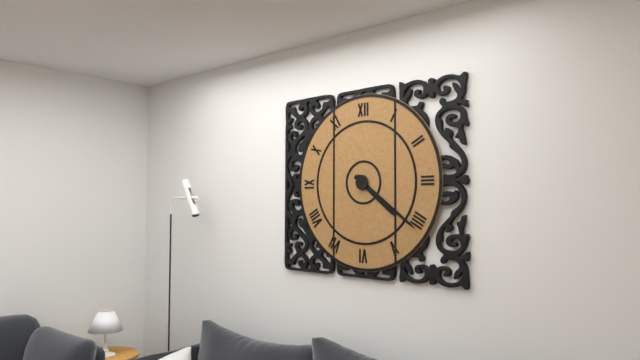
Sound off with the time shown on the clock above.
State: 4:21
